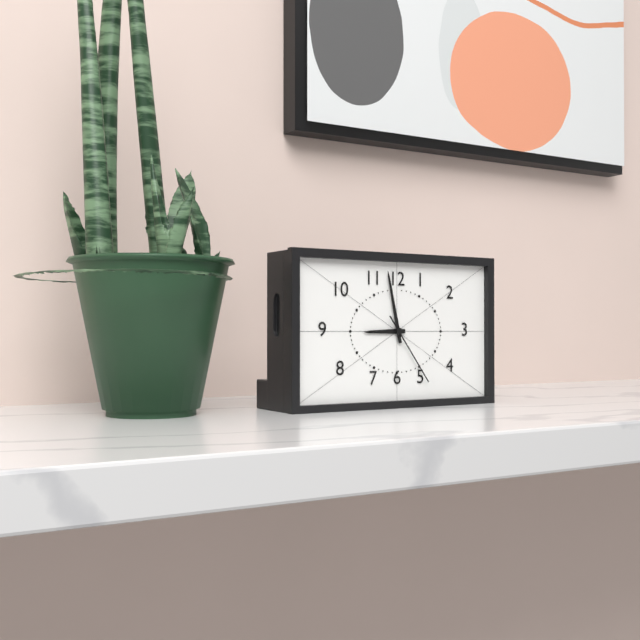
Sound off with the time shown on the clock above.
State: 8:58:24
